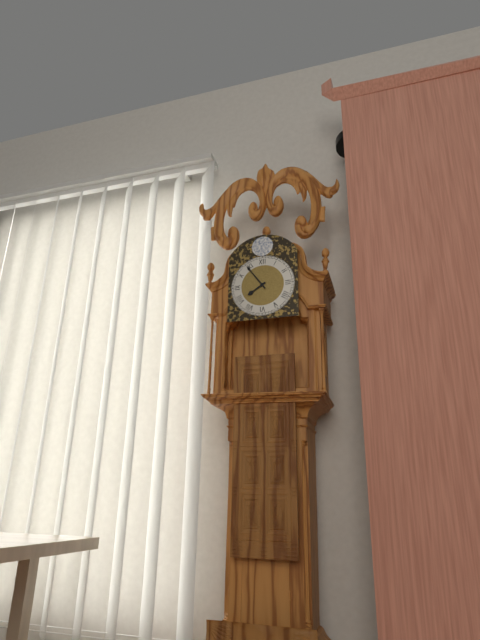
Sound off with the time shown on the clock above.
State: 7:54
